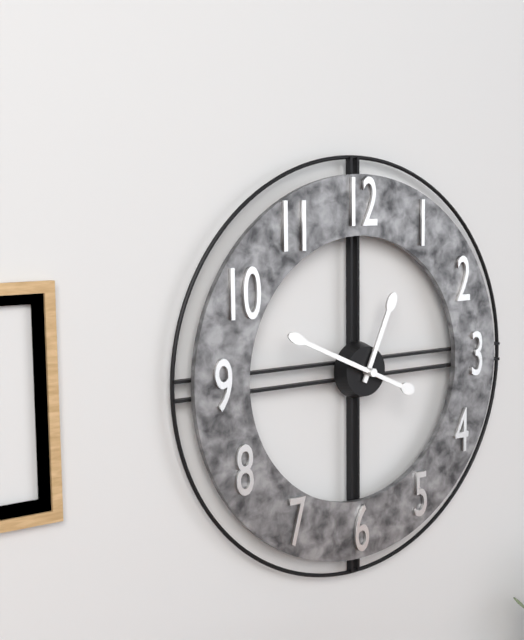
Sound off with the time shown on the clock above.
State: 12:49
